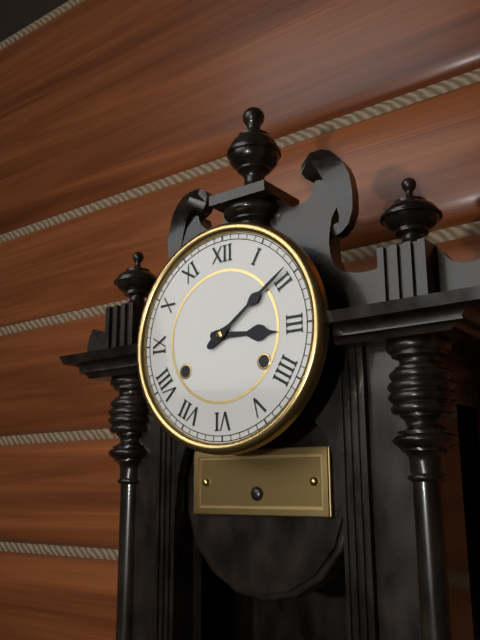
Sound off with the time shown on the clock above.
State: 3:09
